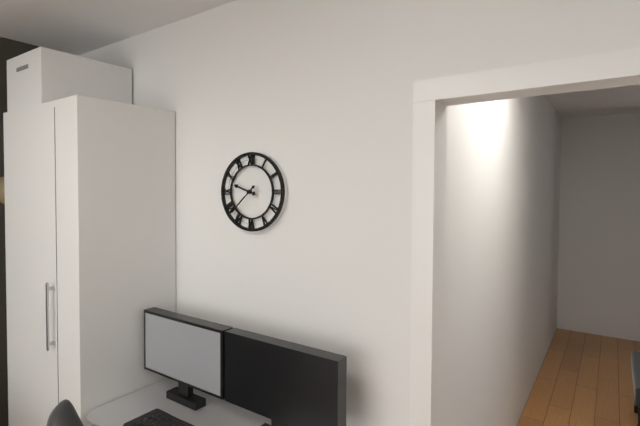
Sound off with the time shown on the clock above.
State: 9:38
